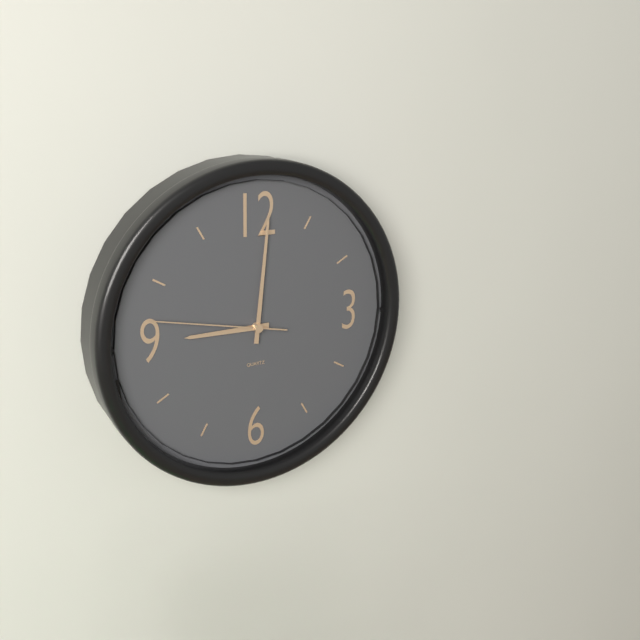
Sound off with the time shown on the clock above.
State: 9:01:47
